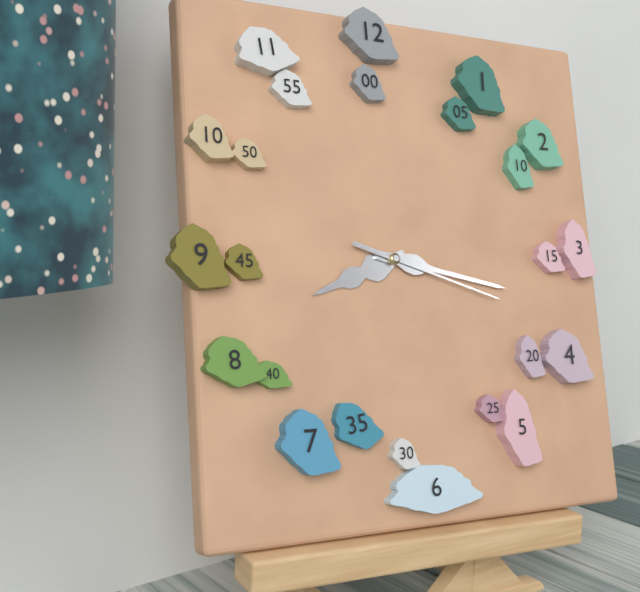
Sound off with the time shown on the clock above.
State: 8:17:18
